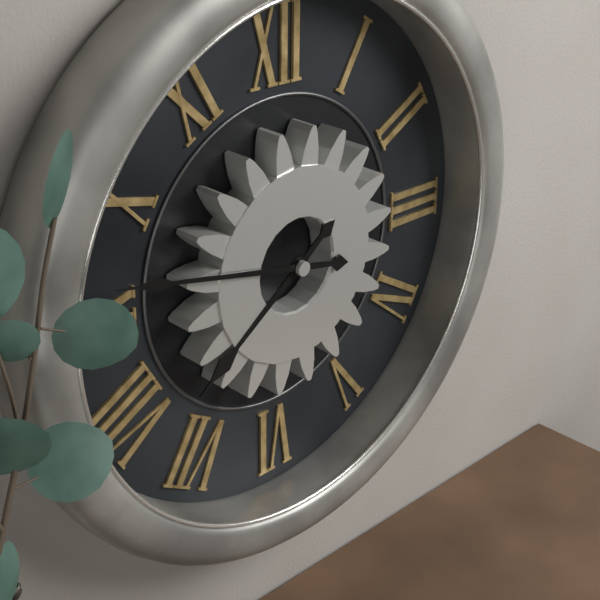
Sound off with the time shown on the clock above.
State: 7:47
